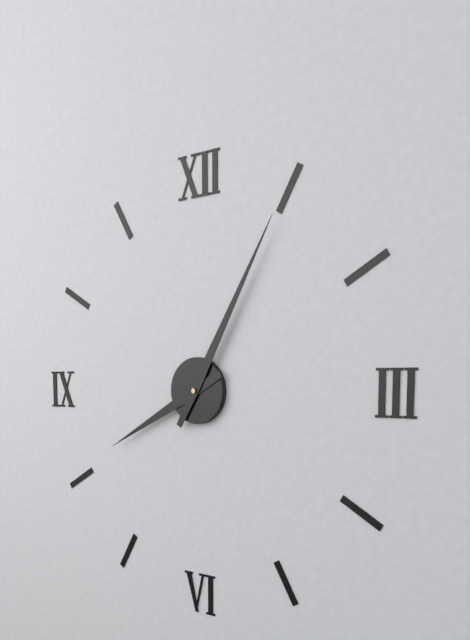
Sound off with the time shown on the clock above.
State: 8:05
